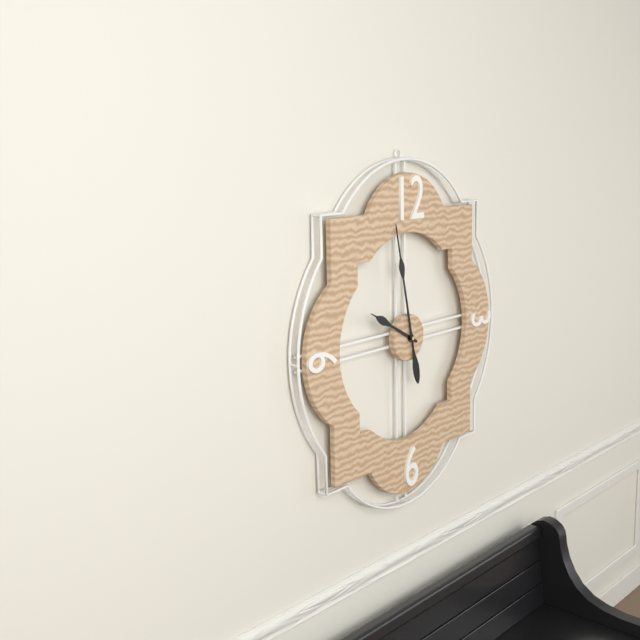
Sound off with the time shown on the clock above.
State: 9:58
